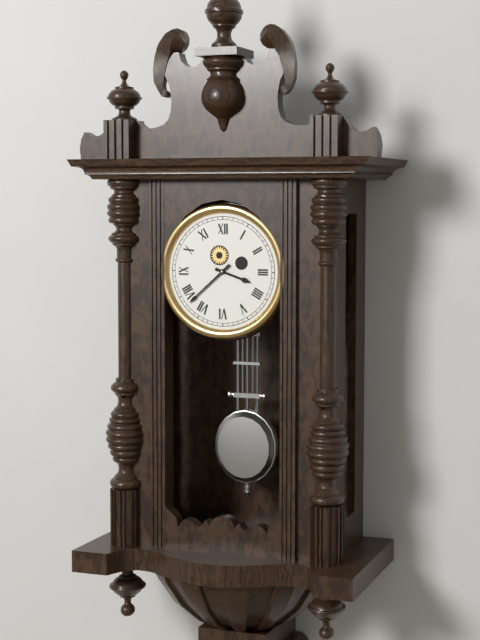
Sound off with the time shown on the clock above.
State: 3:38
